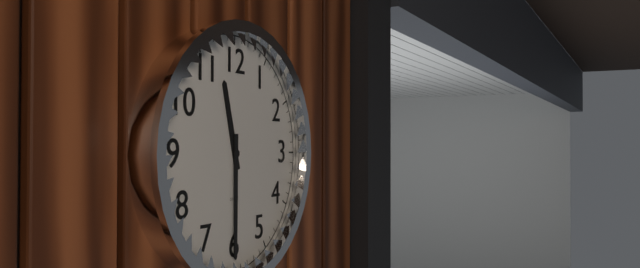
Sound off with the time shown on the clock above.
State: 11:30
